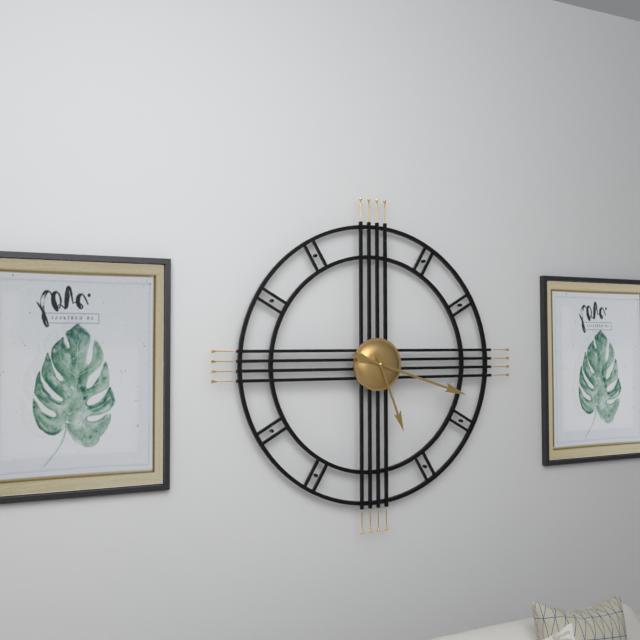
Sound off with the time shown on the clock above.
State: 5:18
